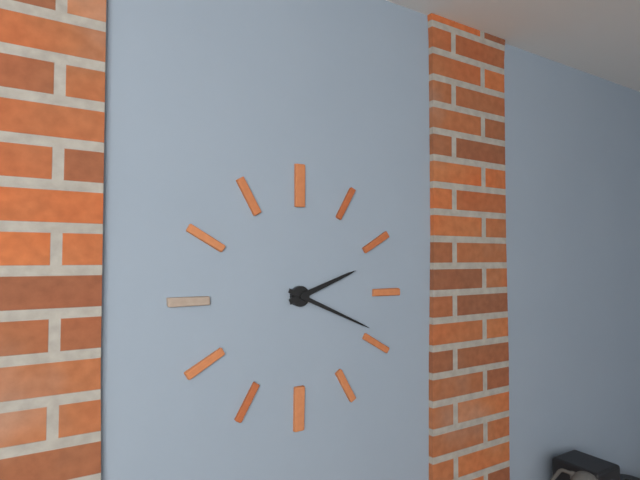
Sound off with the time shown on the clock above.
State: 2:19
